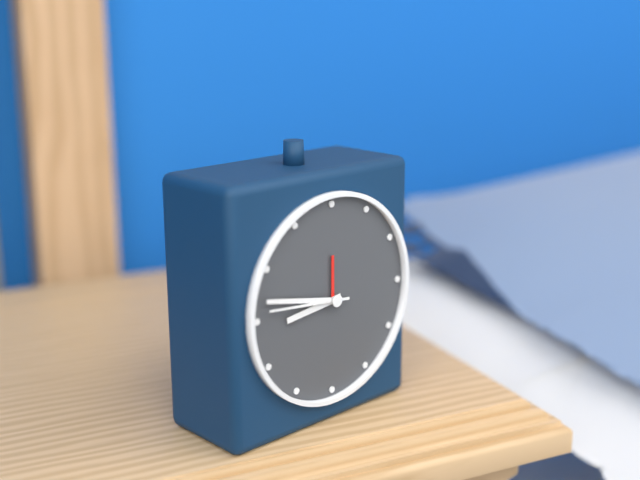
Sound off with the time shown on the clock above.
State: 8:47:46
